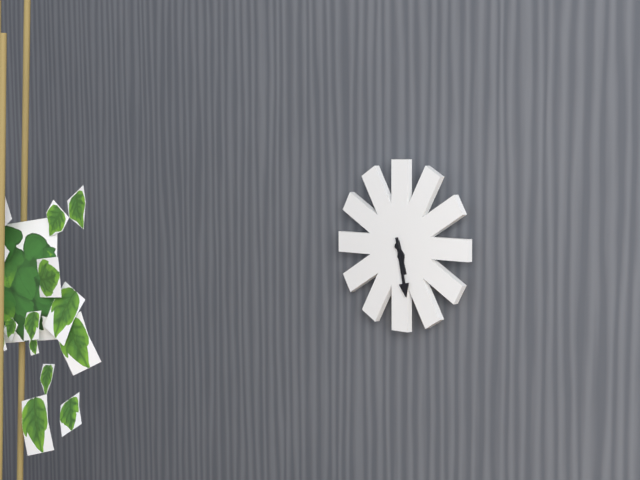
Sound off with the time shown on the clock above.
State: 5:28
